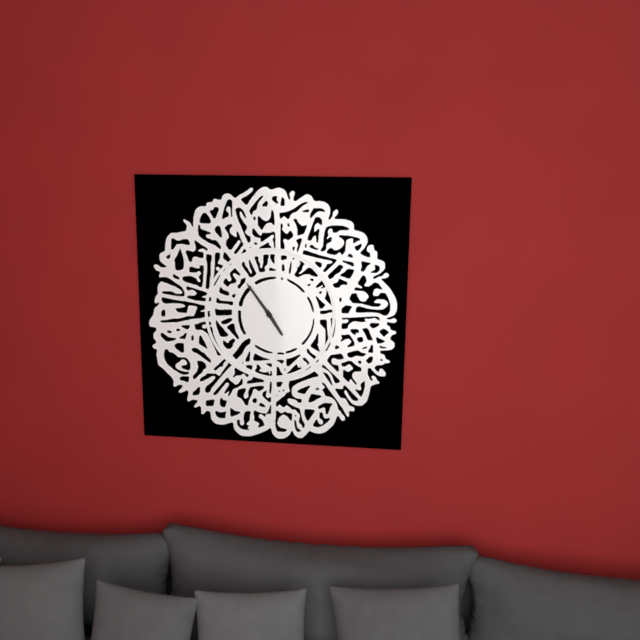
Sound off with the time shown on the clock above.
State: 4:54
